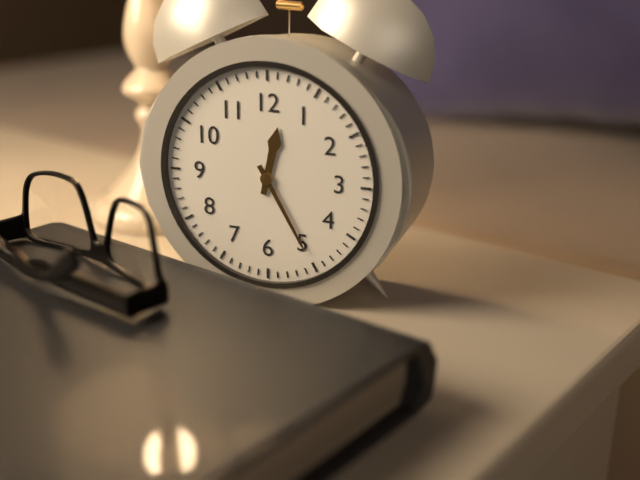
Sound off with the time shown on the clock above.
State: 12:25
